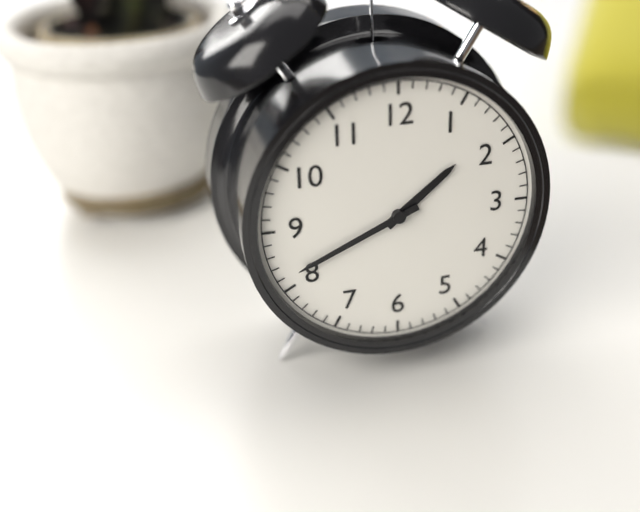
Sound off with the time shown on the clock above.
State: 1:41
